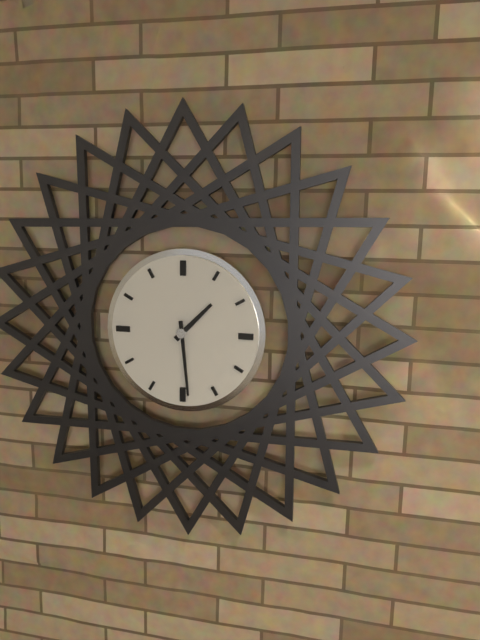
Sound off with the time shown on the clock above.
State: 1:29
